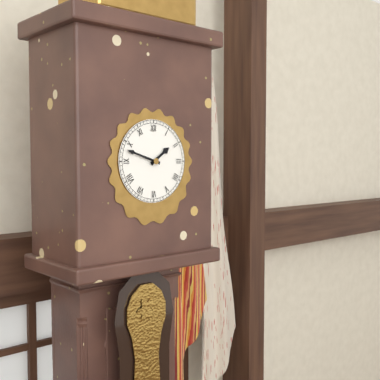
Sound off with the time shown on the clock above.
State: 1:48
